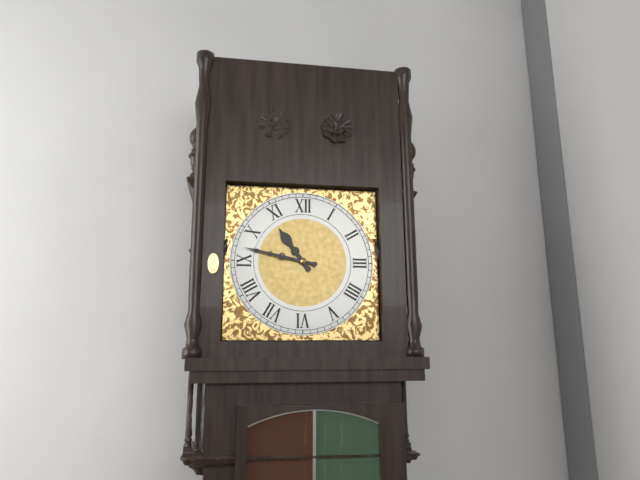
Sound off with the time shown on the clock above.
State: 10:47
